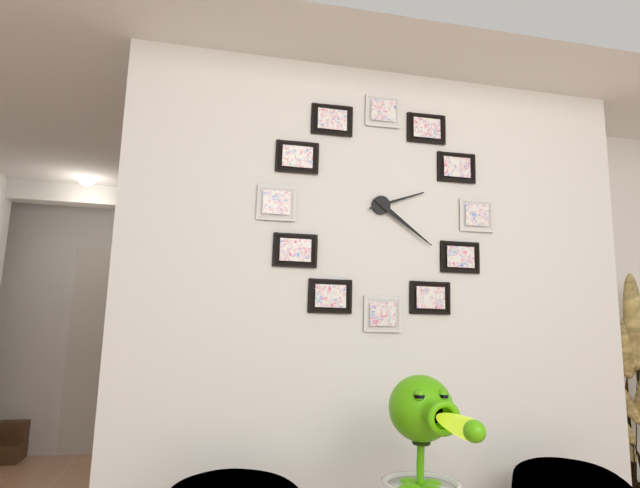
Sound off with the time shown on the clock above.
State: 2:21
